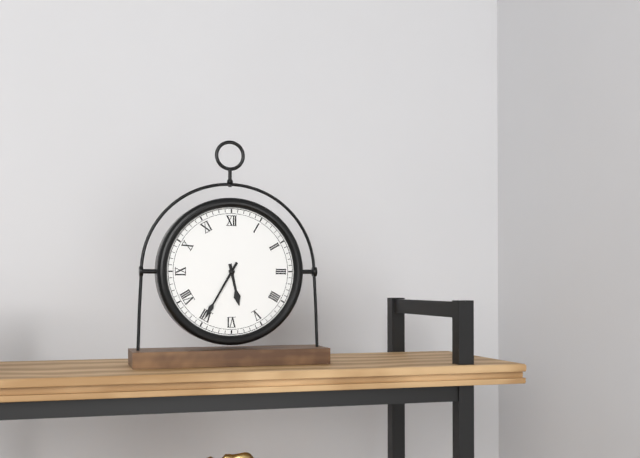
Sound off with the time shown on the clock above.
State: 5:35
